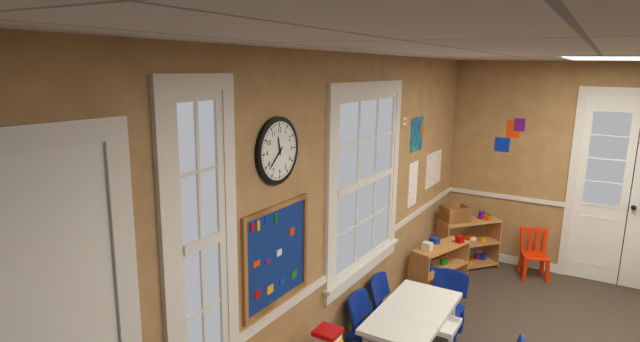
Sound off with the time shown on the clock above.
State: 11:38
